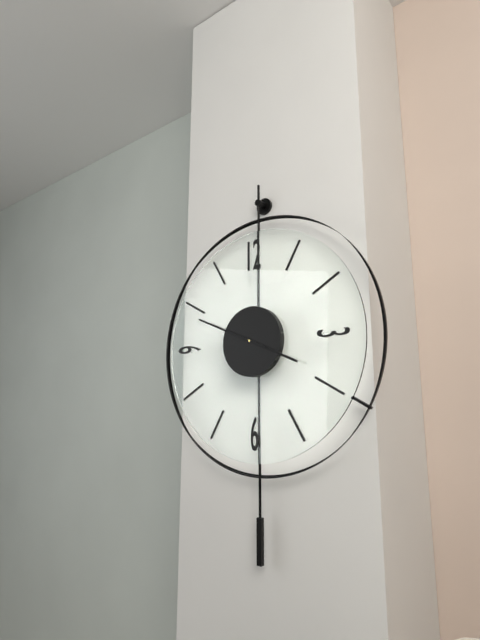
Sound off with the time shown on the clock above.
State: 3:49
